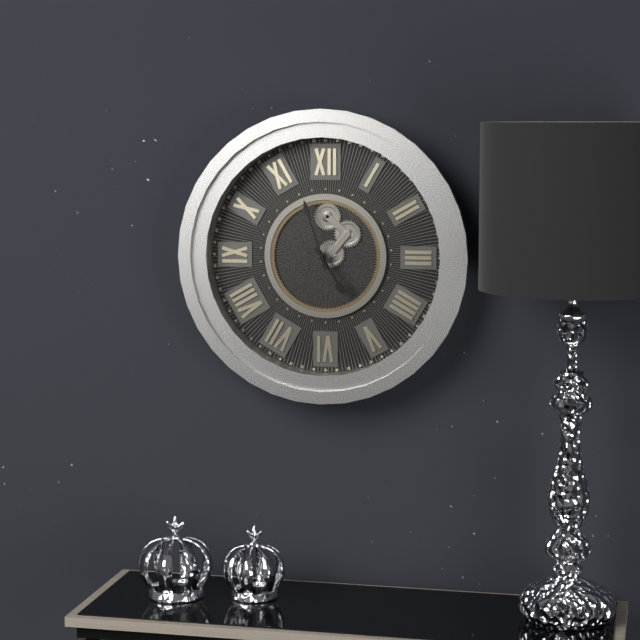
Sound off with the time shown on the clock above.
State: 4:57
